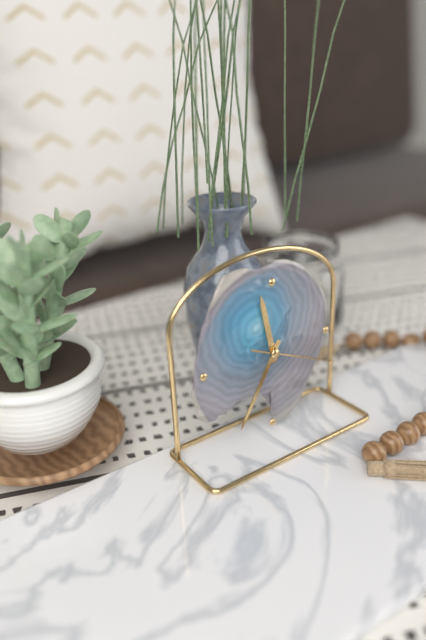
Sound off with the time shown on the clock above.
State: 11:35:19
